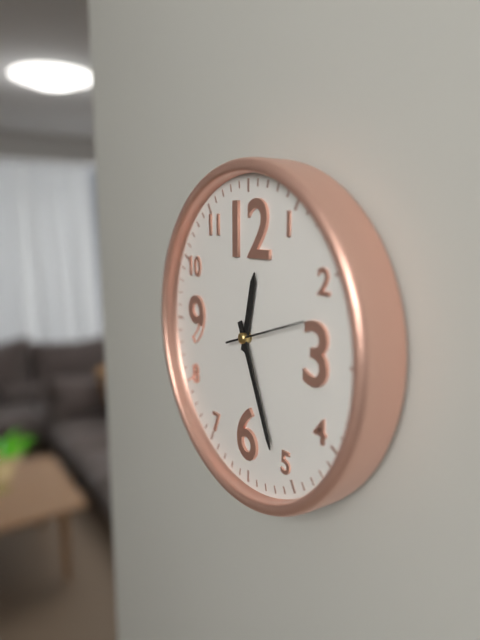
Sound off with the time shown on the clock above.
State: 12:26:12
